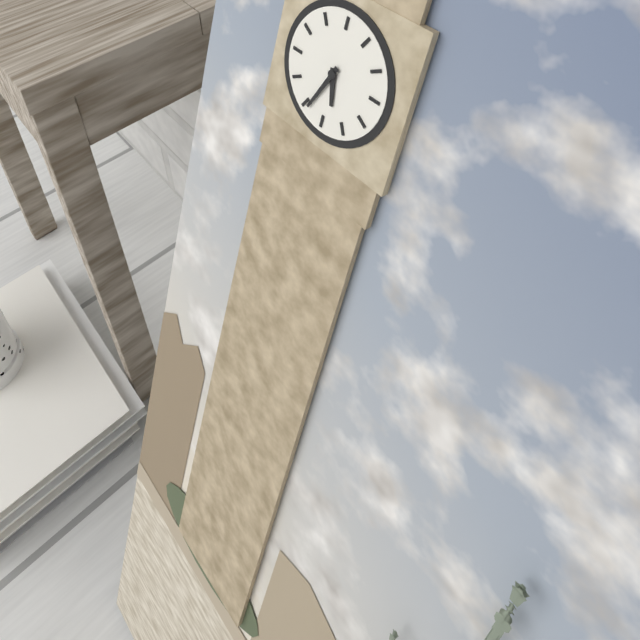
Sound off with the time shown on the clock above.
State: 5:34
